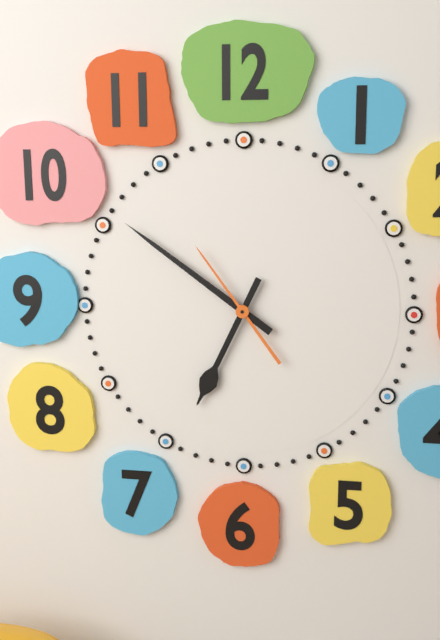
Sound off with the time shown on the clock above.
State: 6:51:54
